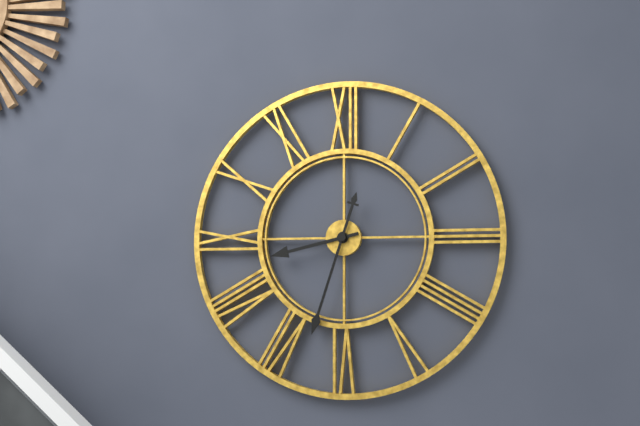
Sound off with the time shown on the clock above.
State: 8:33
